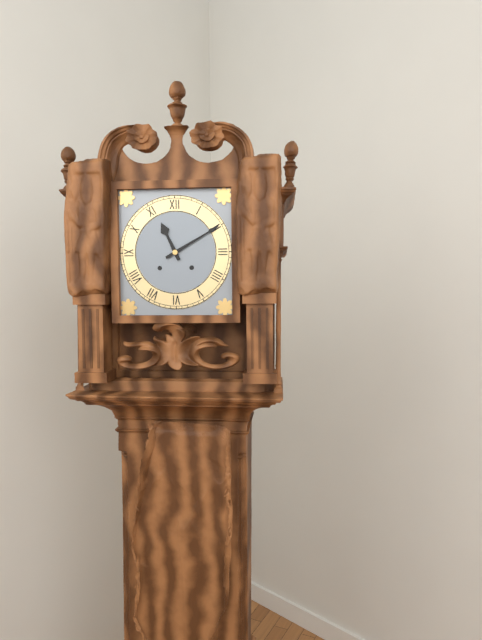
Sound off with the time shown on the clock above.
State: 11:10
